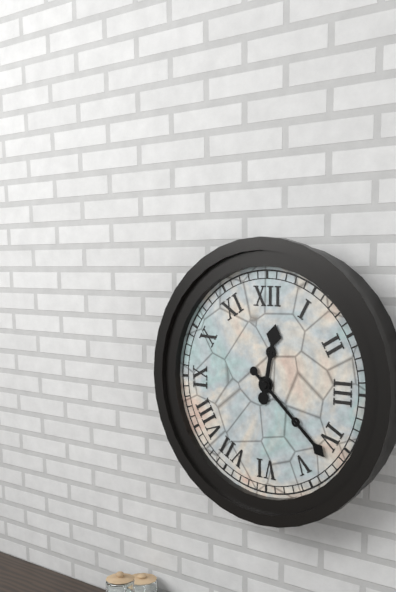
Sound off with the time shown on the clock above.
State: 12:22
